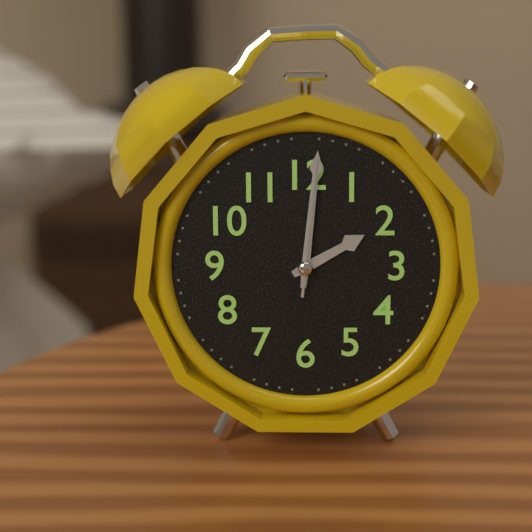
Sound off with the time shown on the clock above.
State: 2:01:01
